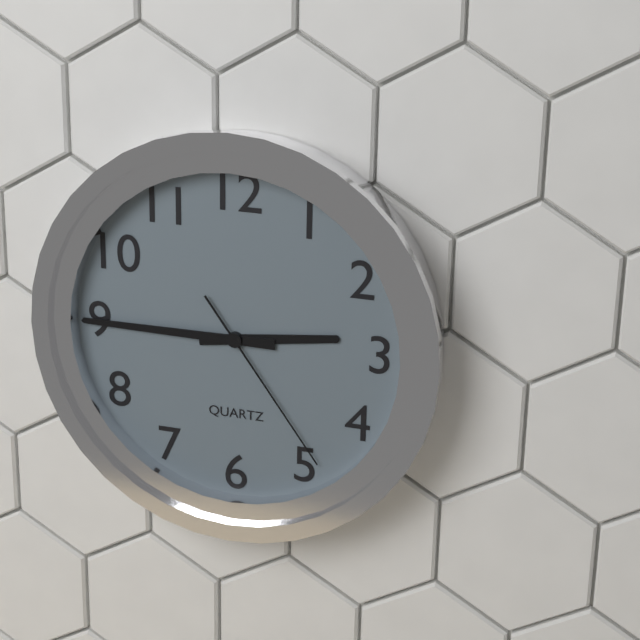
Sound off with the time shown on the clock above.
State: 2:45:24
